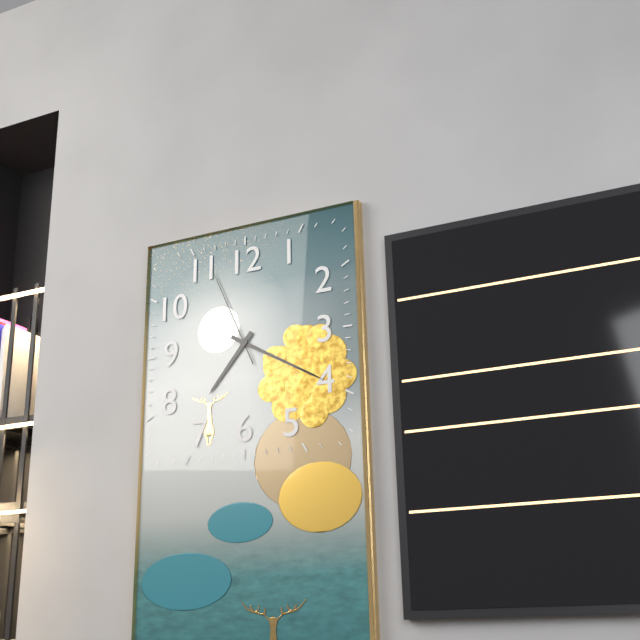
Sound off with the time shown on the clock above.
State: 7:20:56
